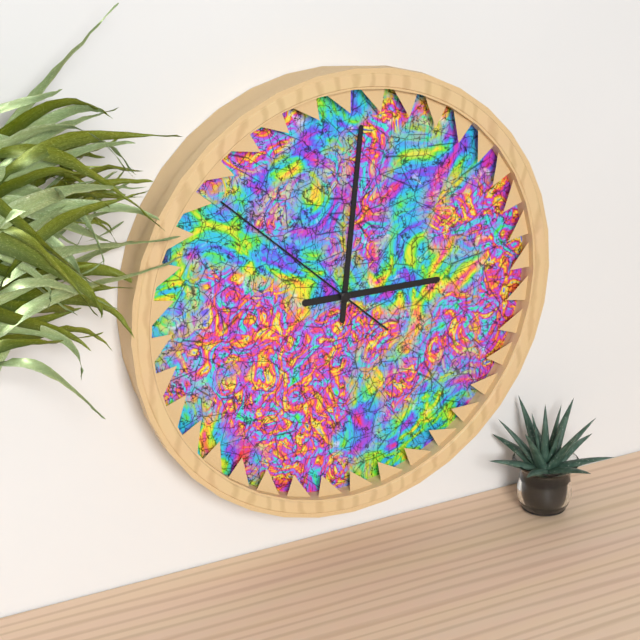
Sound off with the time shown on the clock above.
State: 3:01:52
